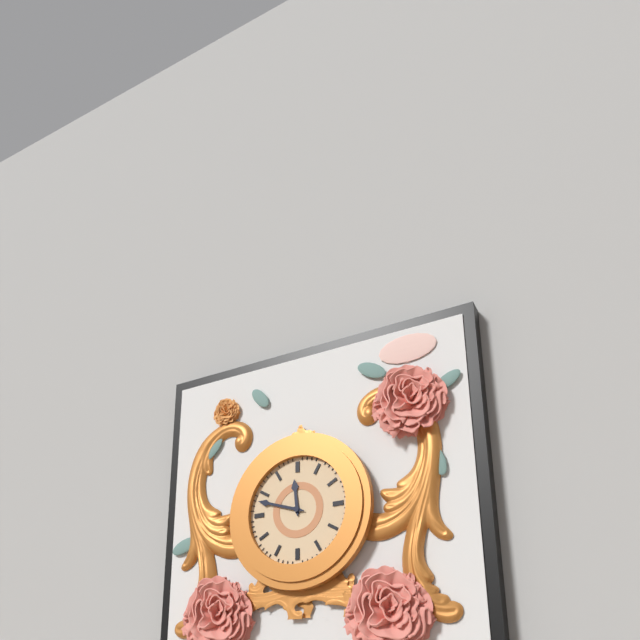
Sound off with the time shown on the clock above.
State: 11:48
